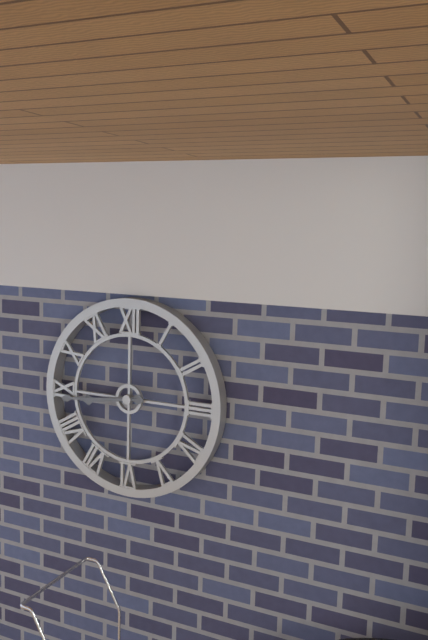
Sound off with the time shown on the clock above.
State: 8:44
